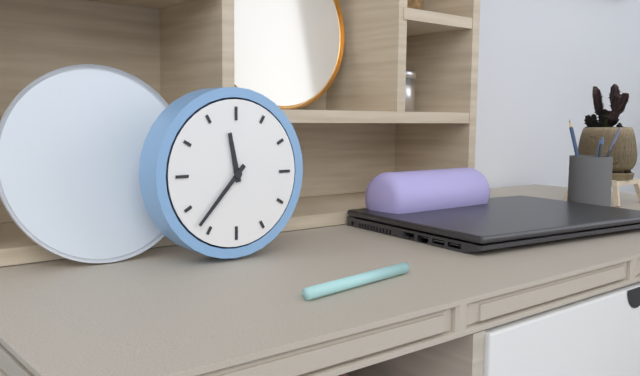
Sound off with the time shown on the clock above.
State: 11:37
